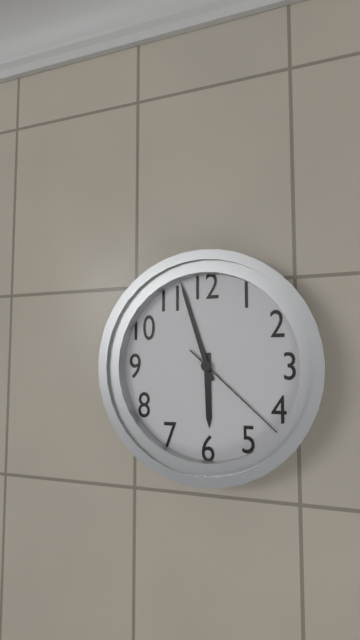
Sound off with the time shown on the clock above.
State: 5:57:22
